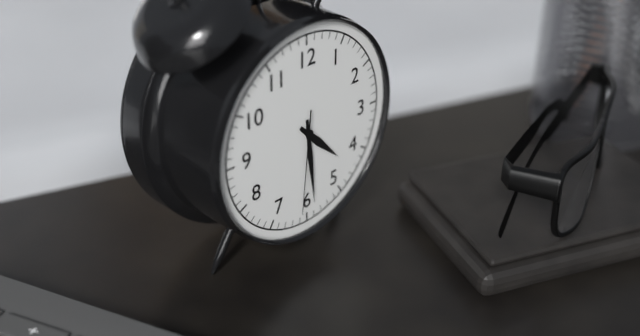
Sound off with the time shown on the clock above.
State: 4:29:31
